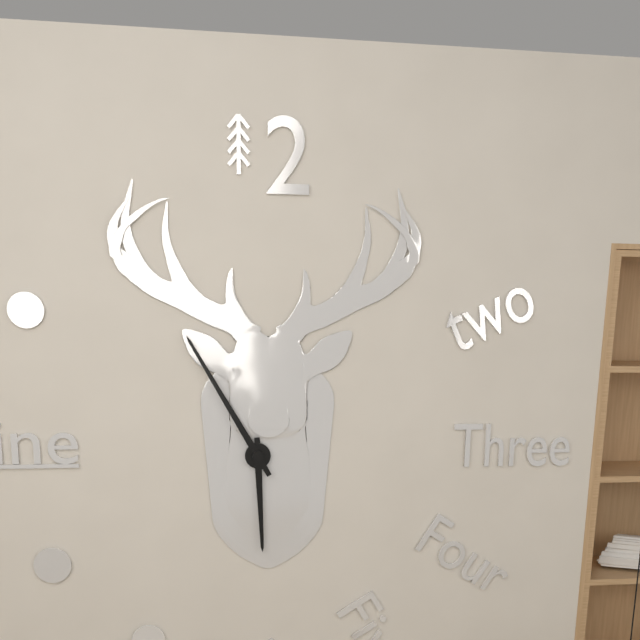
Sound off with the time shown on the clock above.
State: 5:55
